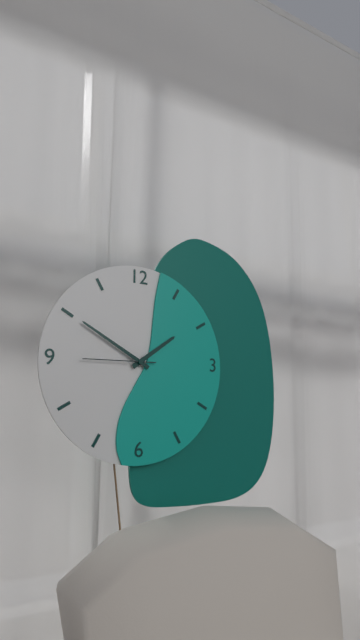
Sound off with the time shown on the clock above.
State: 1:50:45
